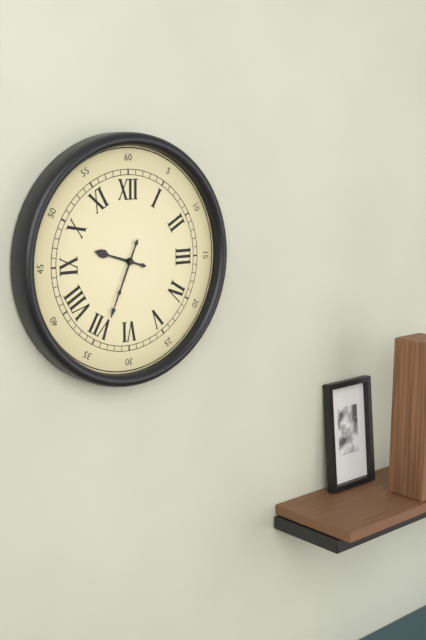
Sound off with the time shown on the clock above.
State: 9:34
